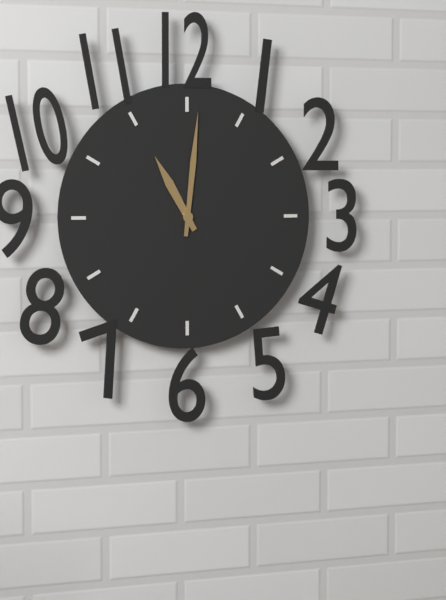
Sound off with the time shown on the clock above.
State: 11:01
